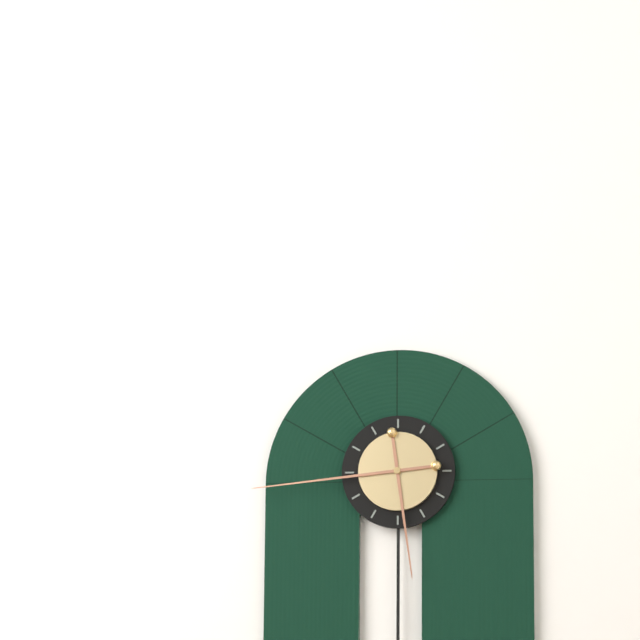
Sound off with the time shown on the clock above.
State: 5:44
